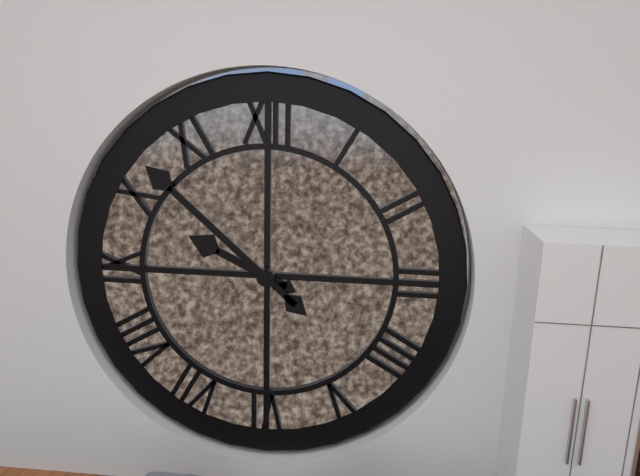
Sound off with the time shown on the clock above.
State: 9:52
